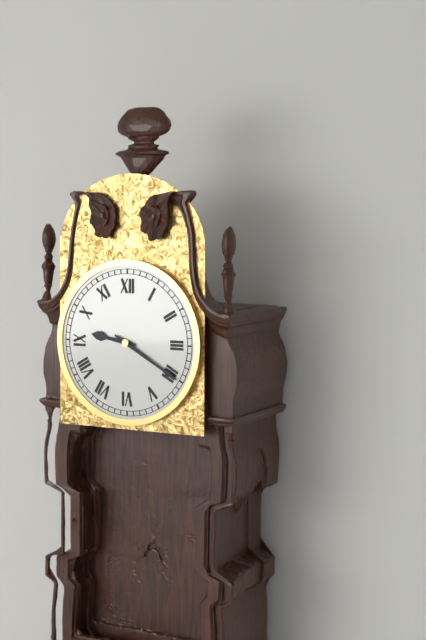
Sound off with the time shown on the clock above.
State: 9:20
